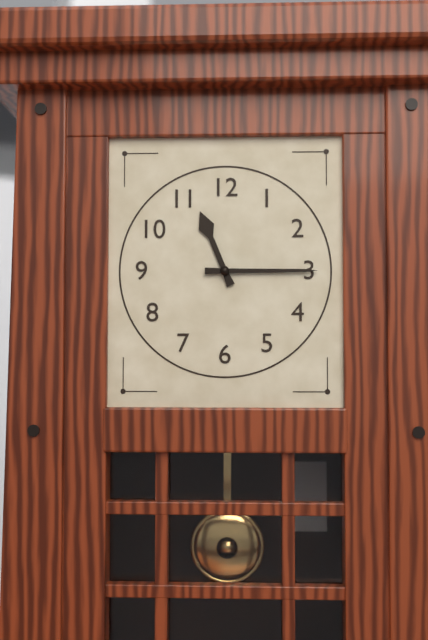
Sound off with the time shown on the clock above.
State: 11:15
